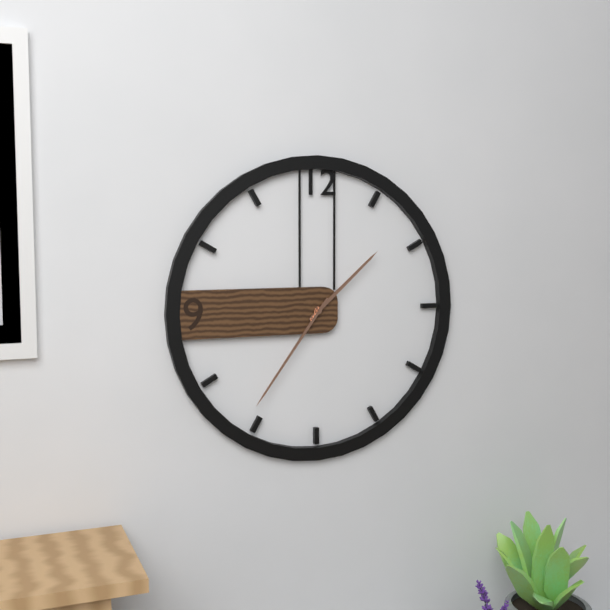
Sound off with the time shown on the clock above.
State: 1:36
